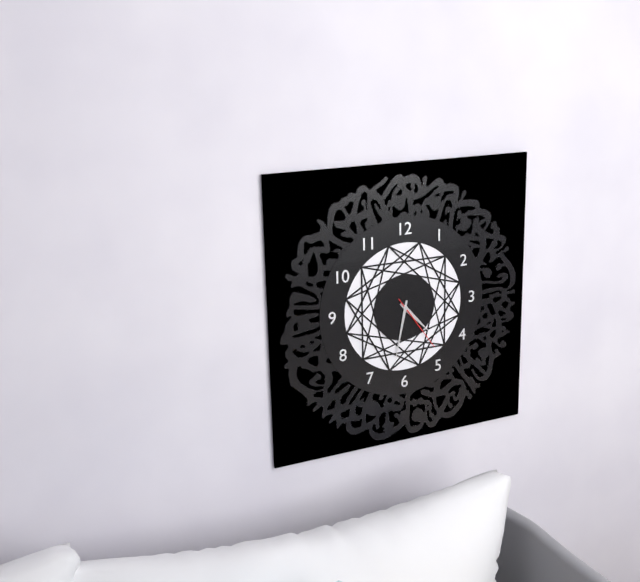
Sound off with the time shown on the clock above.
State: 4:32:24
